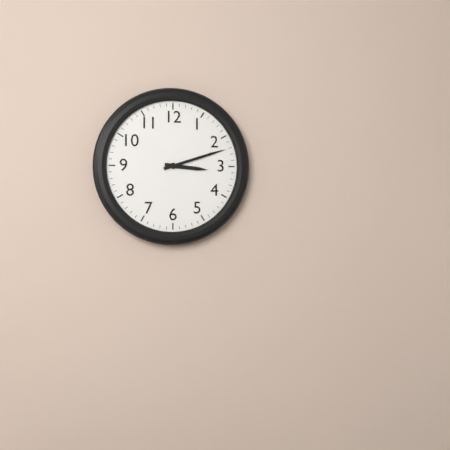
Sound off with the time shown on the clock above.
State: 3:12
